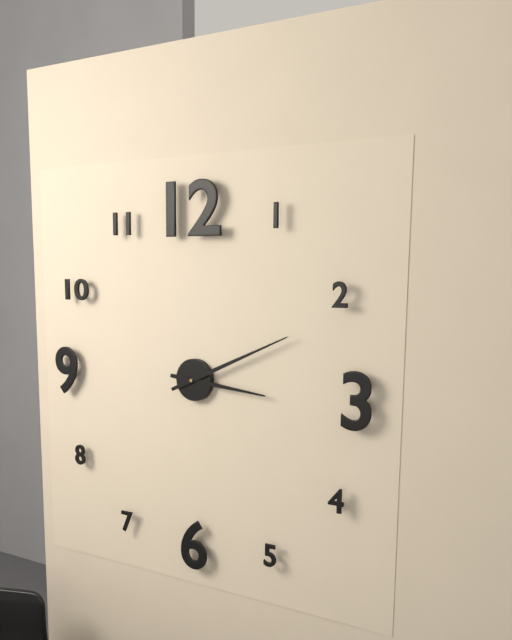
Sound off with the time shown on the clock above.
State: 3:11
